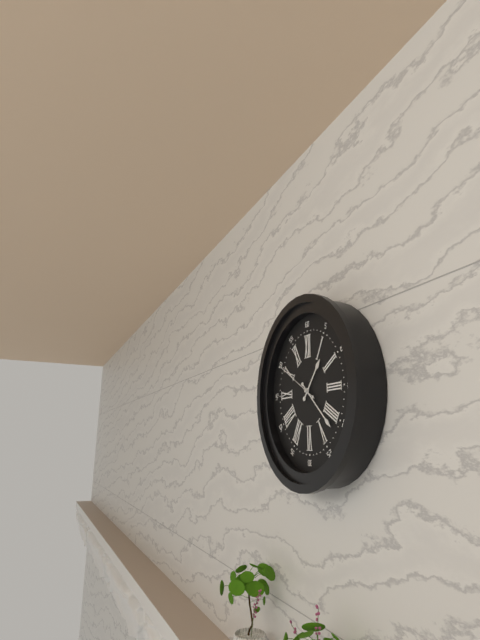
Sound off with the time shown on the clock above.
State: 1:22
